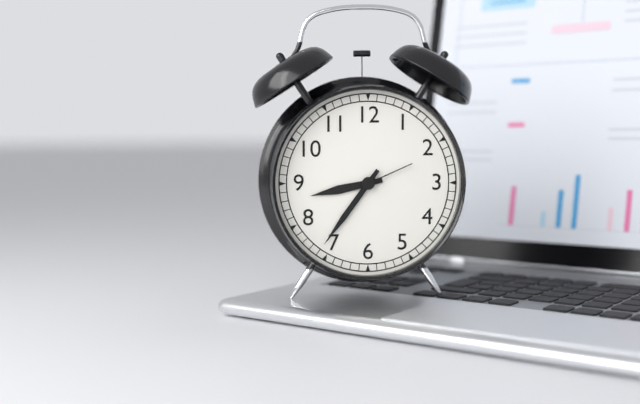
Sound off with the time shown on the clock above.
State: 8:36:11
